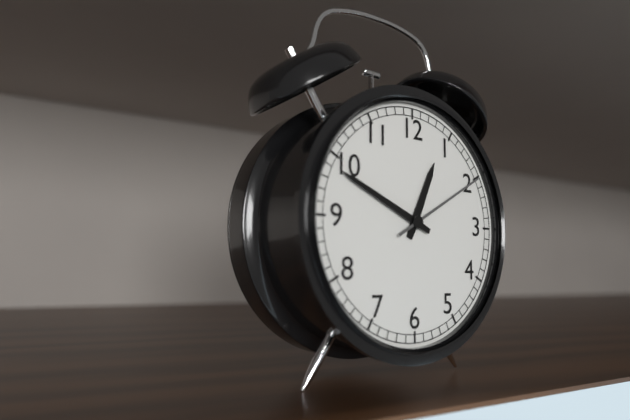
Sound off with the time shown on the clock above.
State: 12:49:10
